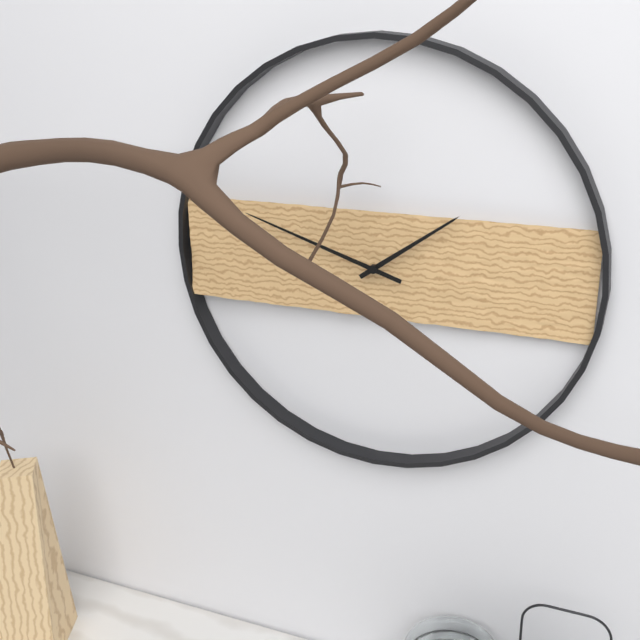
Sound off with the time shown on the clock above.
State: 1:48
